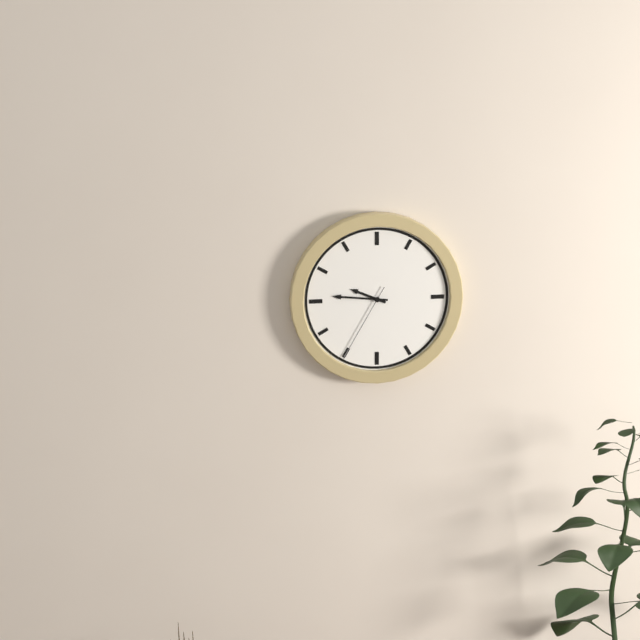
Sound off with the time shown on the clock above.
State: 9:46:35
